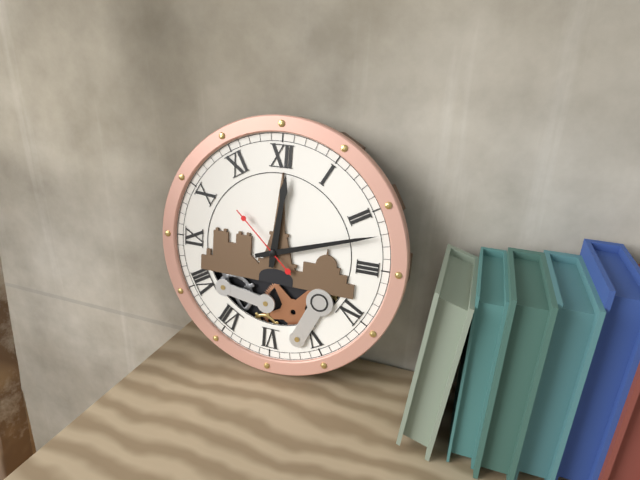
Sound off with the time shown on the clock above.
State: 12:12:52
